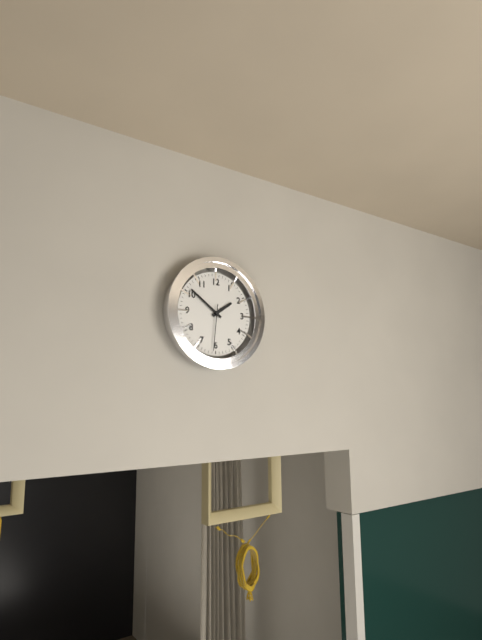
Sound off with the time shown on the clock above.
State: 1:51
